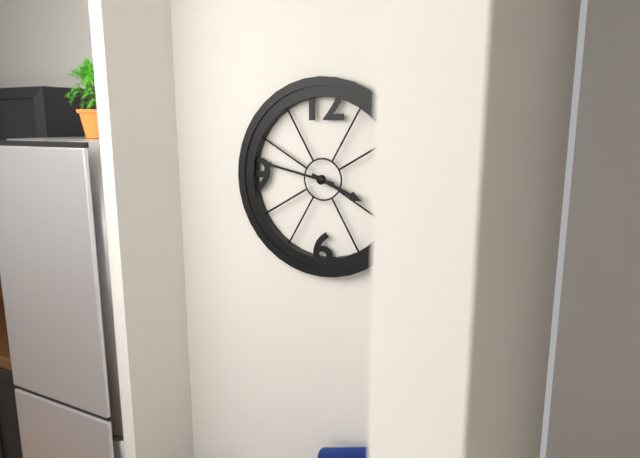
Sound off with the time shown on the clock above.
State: 3:47
